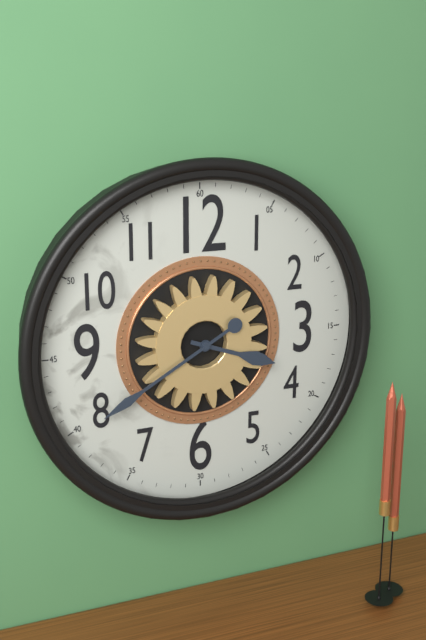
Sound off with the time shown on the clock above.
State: 3:40
